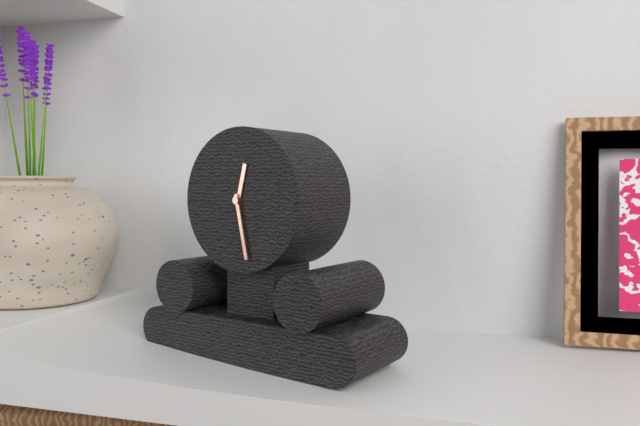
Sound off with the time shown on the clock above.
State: 12:28
